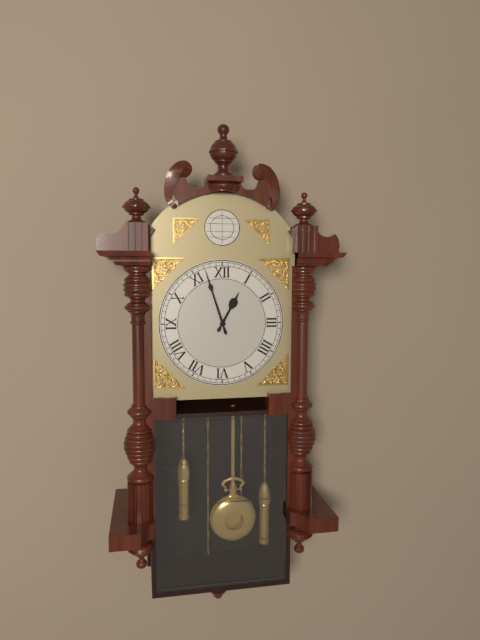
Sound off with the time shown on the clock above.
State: 12:57
